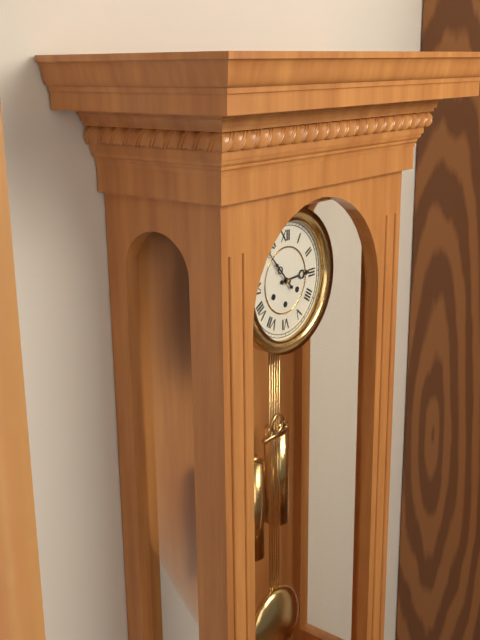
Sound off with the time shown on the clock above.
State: 2:53
